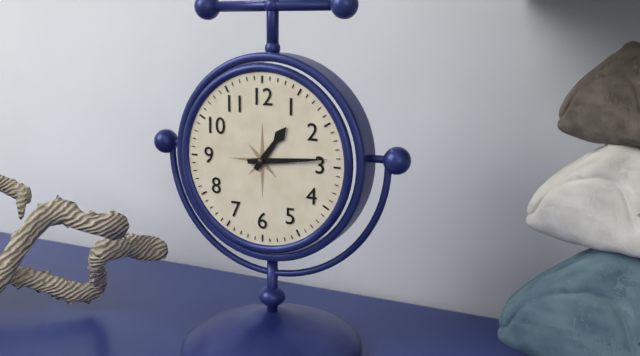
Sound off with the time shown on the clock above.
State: 1:14
